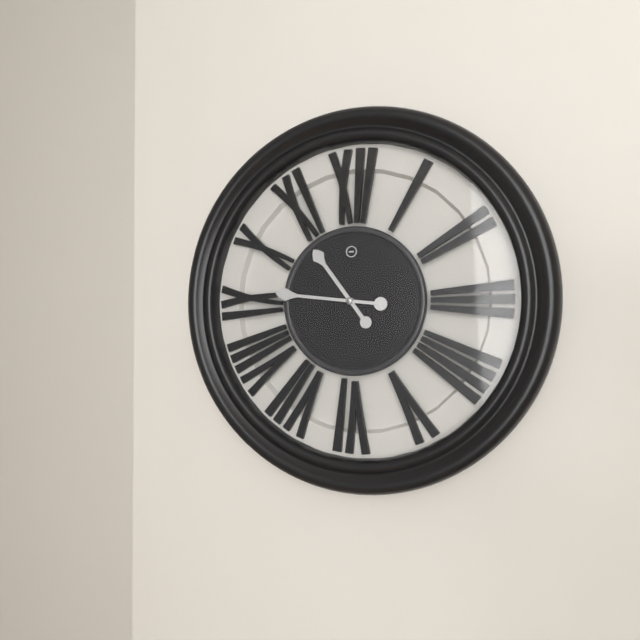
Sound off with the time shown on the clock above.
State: 10:46
